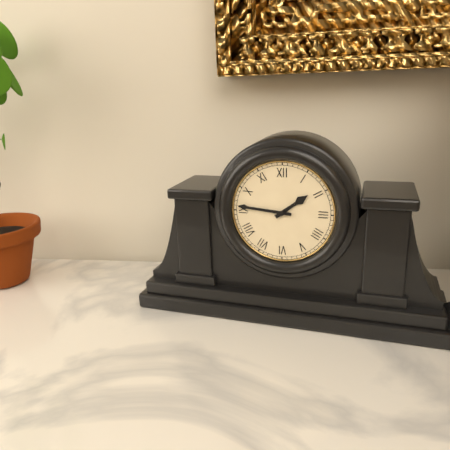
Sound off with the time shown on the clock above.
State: 1:46
